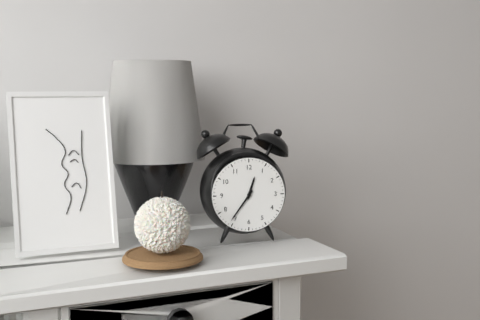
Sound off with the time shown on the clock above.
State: 12:36
